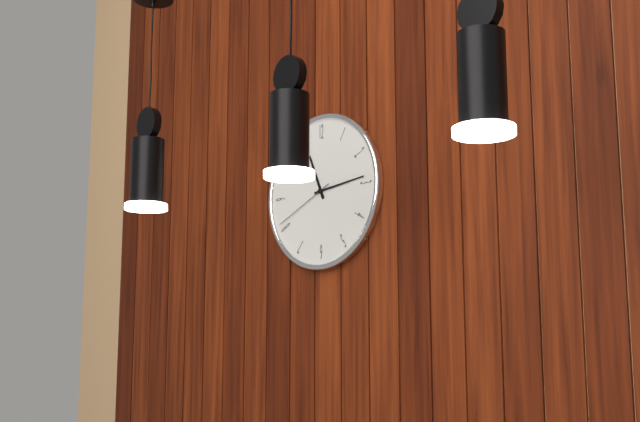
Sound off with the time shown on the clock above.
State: 11:14:41
